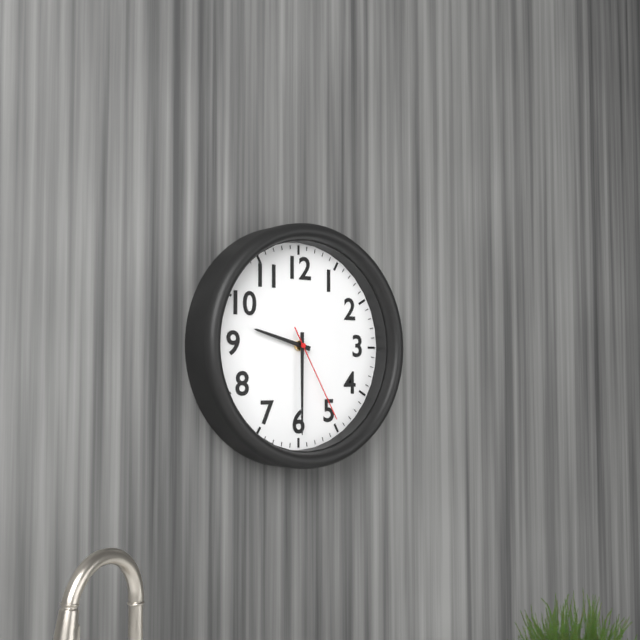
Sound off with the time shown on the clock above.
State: 9:30:25
